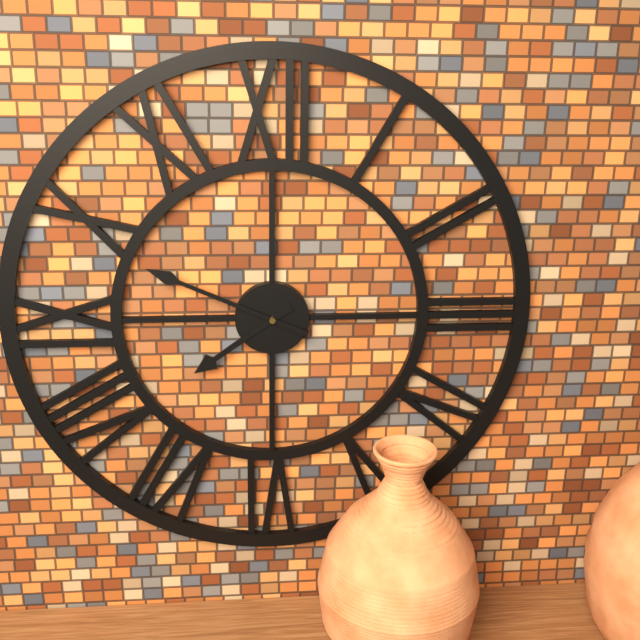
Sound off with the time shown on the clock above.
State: 7:49
